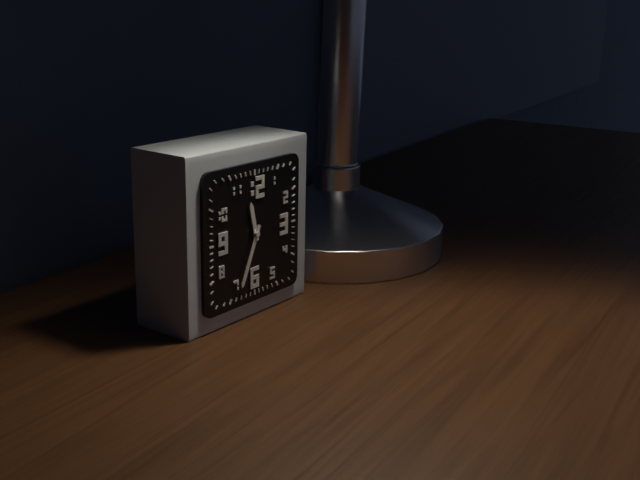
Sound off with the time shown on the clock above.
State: 11:34
